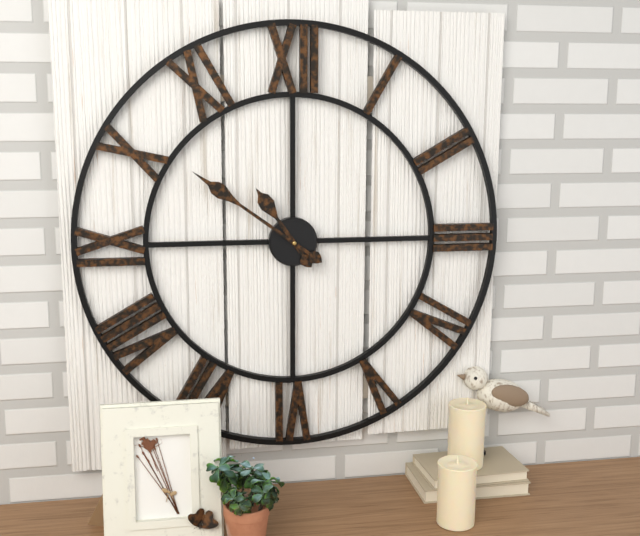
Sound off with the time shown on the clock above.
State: 10:51
